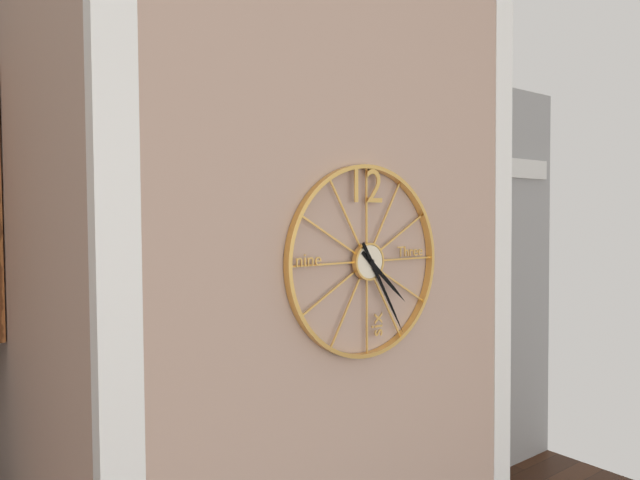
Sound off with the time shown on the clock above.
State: 4:25
